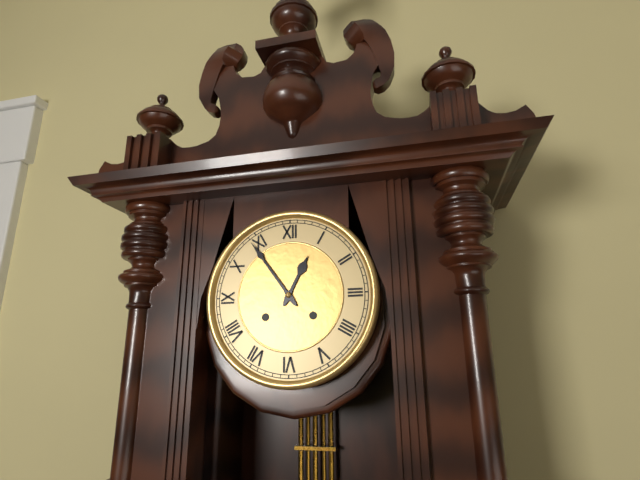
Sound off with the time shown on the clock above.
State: 12:54
